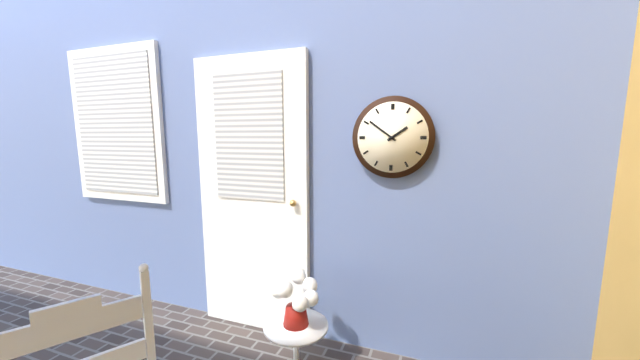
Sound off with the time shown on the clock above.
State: 1:51
